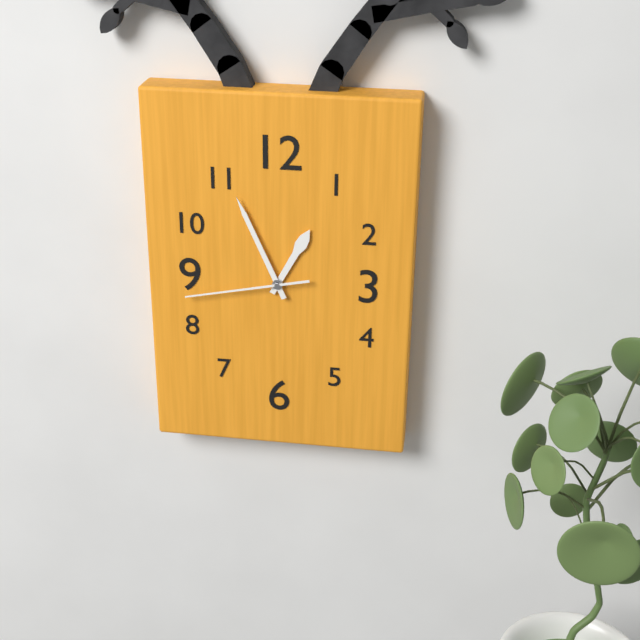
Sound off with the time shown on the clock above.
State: 12:56:43
